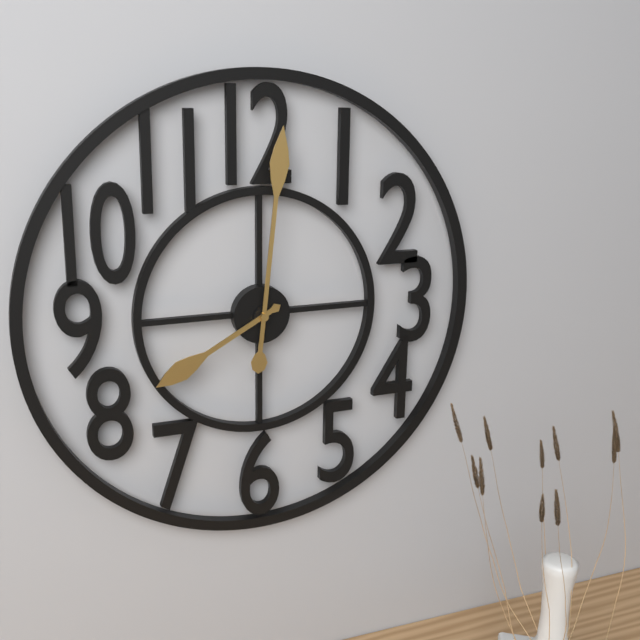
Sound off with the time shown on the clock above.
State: 8:01
